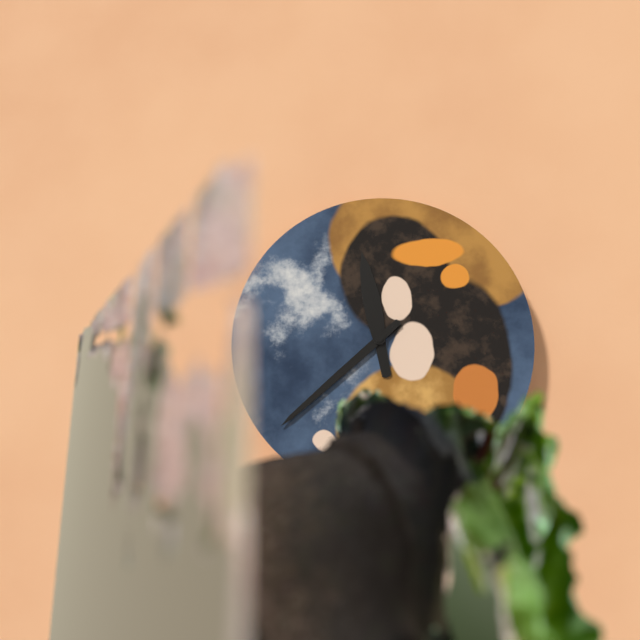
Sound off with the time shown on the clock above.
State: 11:38
